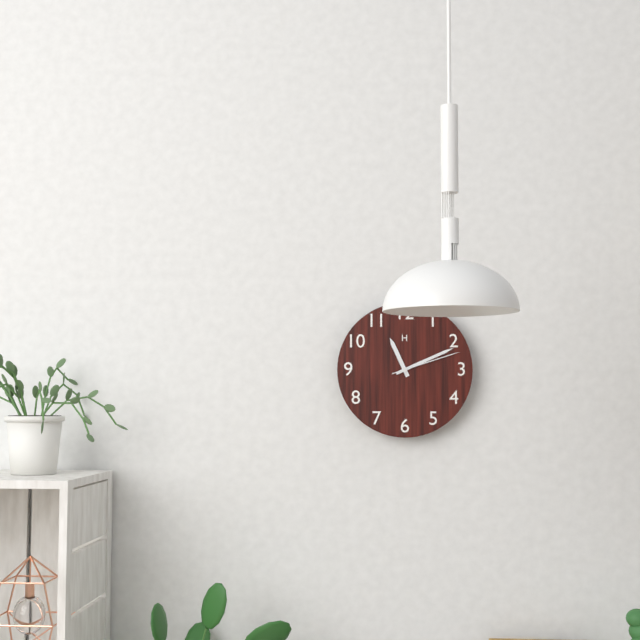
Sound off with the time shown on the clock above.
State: 11:11:12
